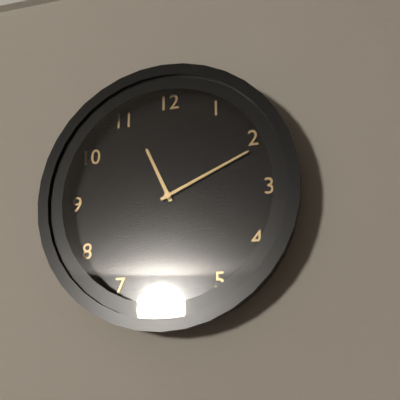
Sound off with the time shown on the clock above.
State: 11:11
